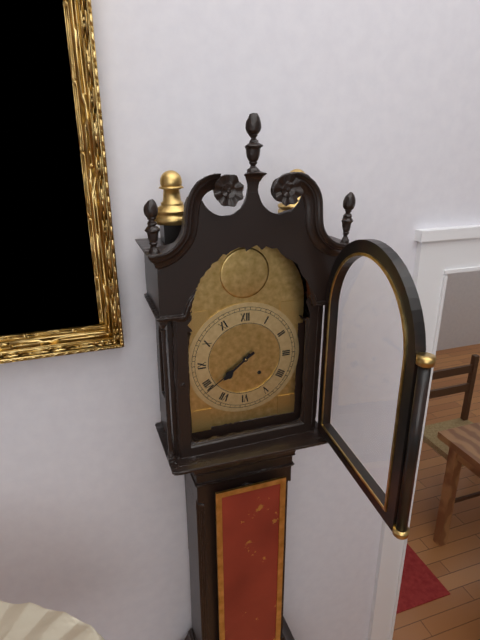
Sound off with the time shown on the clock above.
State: 7:39
